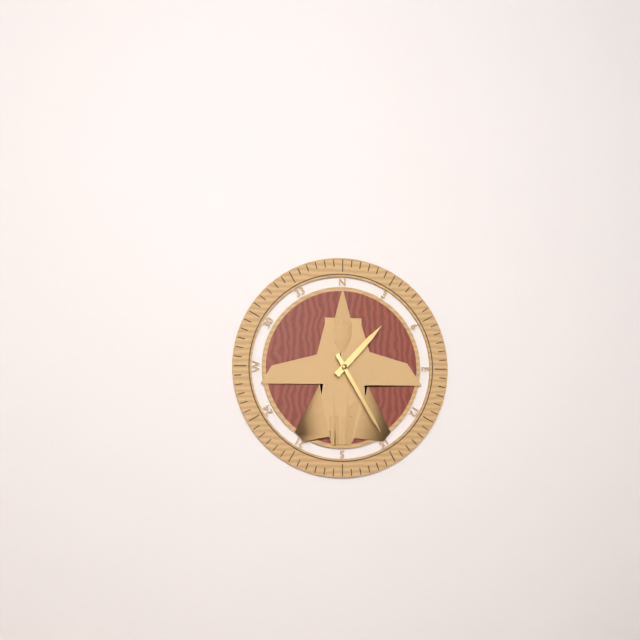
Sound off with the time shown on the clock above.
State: 1:25
